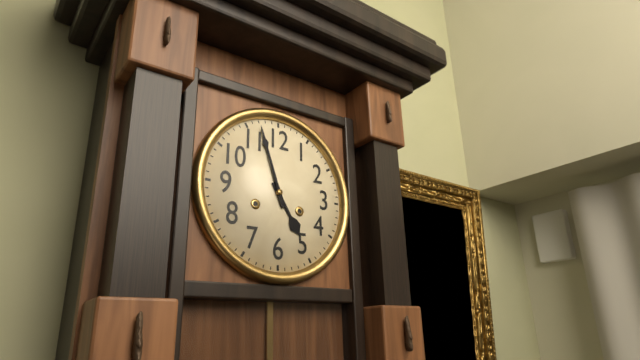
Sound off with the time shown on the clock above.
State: 4:57
